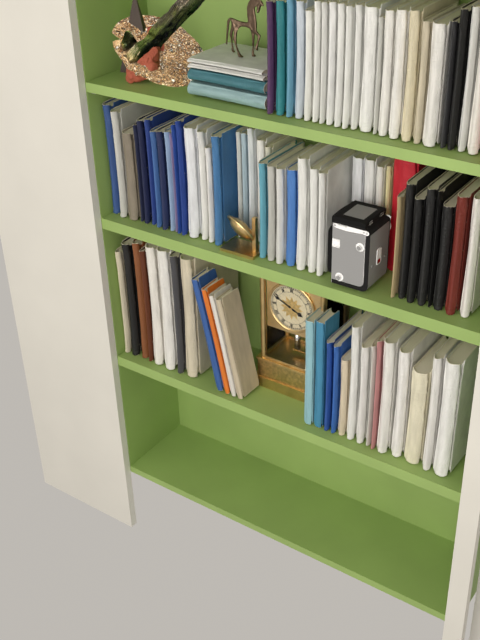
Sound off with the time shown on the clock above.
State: 3:49
